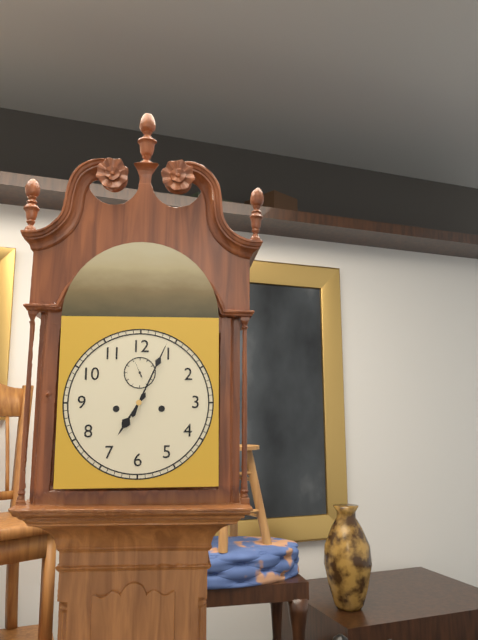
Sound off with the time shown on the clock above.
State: 7:04
